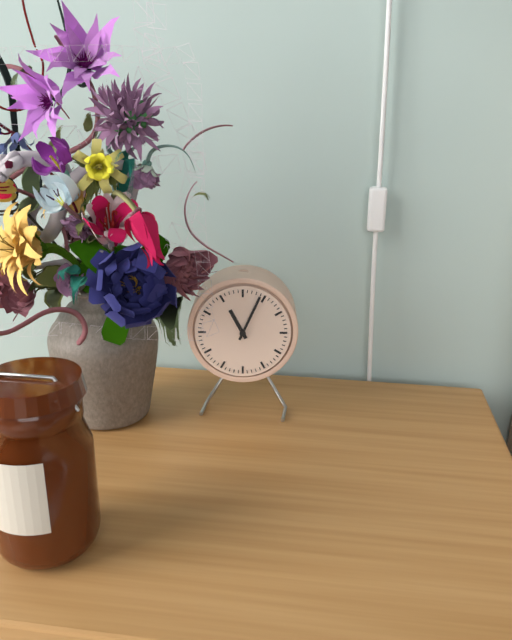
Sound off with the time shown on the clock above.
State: 11:04
